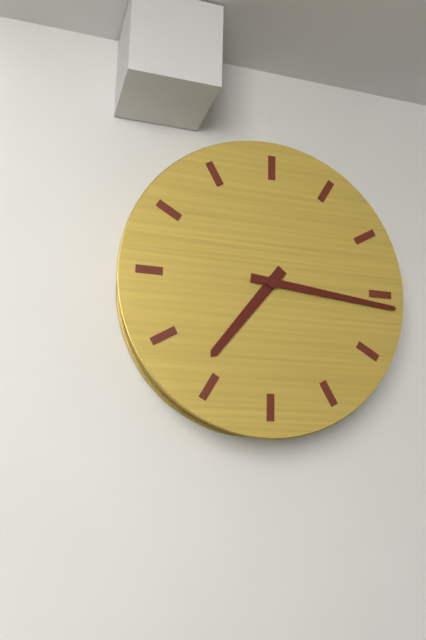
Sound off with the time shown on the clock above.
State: 7:16
